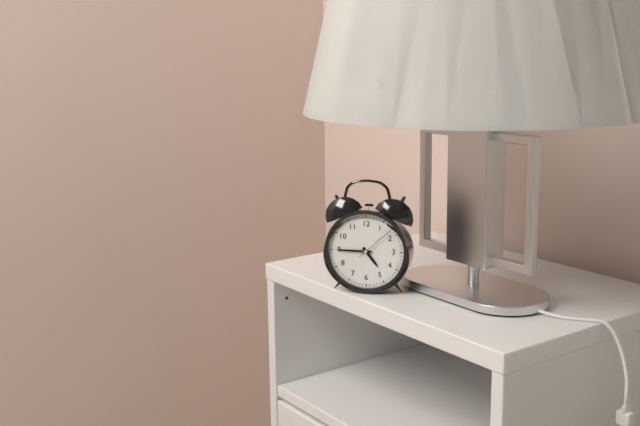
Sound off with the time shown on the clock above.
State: 4:45
